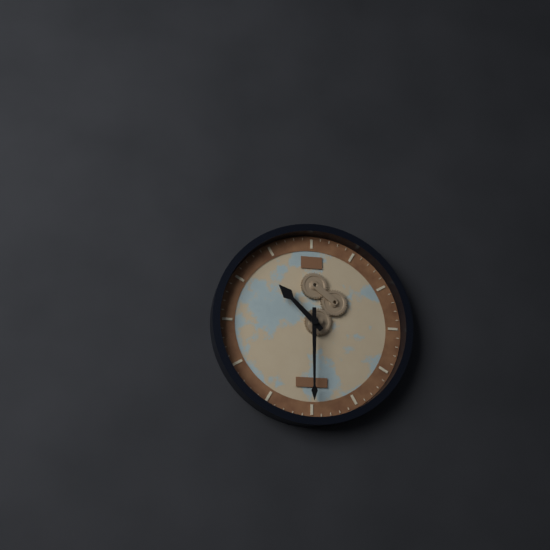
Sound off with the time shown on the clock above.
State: 10:30
